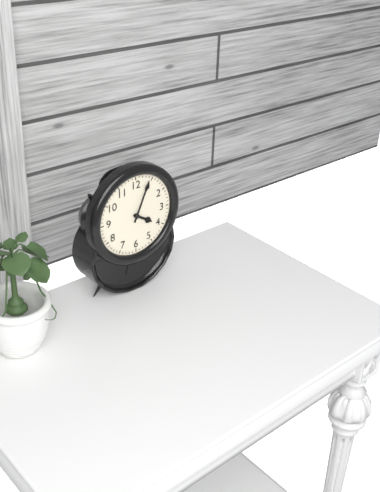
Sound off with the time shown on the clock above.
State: 4:04
